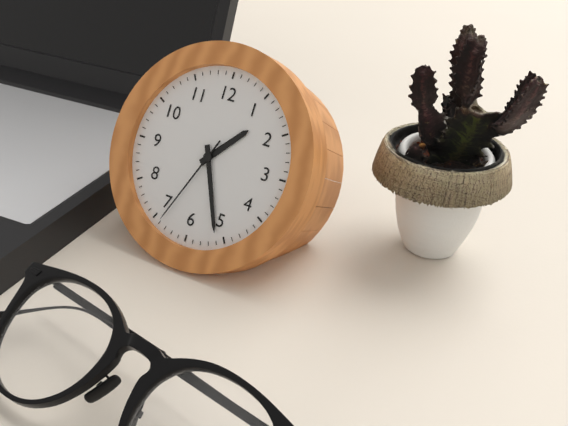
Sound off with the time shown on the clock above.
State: 1:26:34
